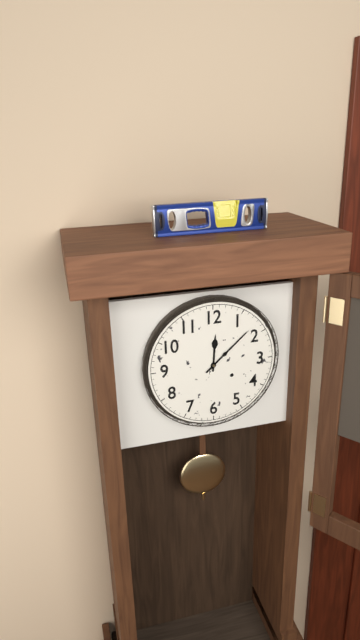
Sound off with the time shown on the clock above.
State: 12:08
